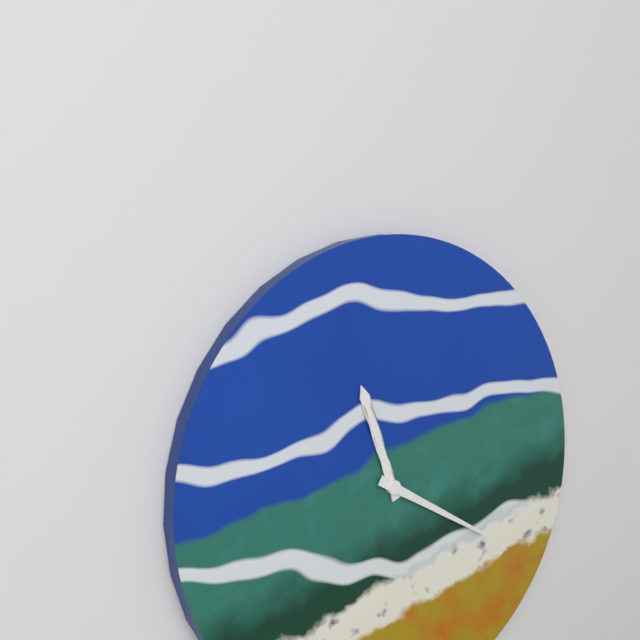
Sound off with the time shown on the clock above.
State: 11:20
